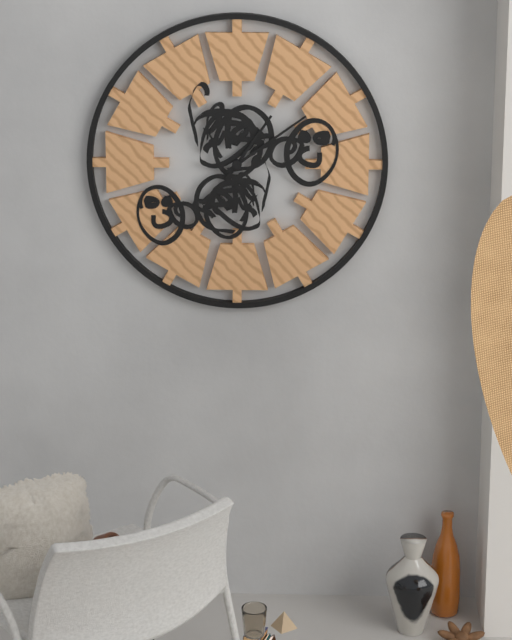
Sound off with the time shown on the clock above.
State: 1:09
